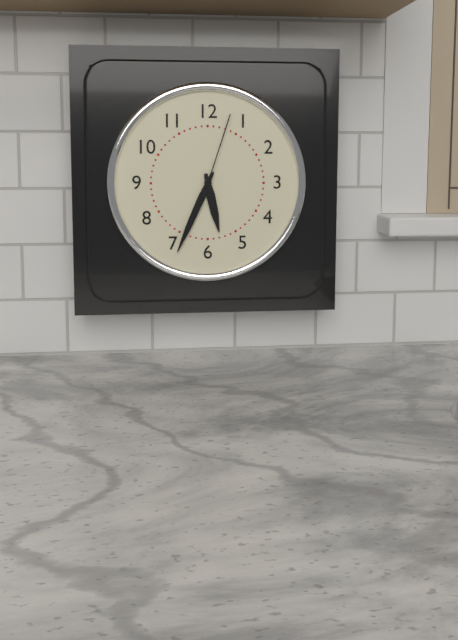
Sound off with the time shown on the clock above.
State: 5:34:03
